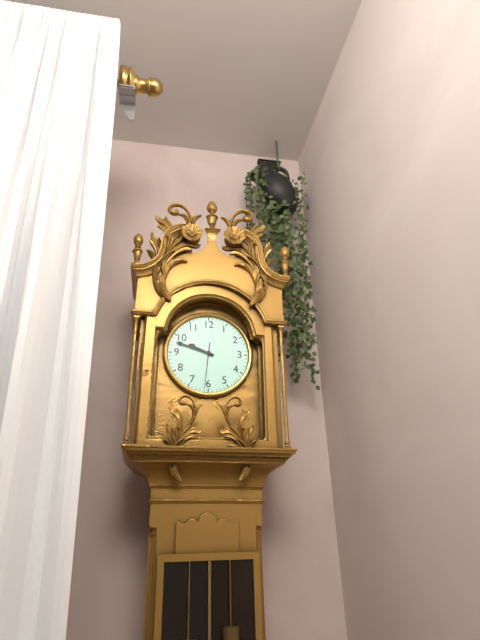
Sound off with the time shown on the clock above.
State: 9:48
